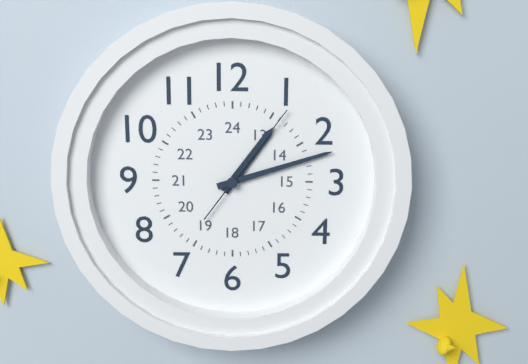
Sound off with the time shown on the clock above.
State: 1:12:06
